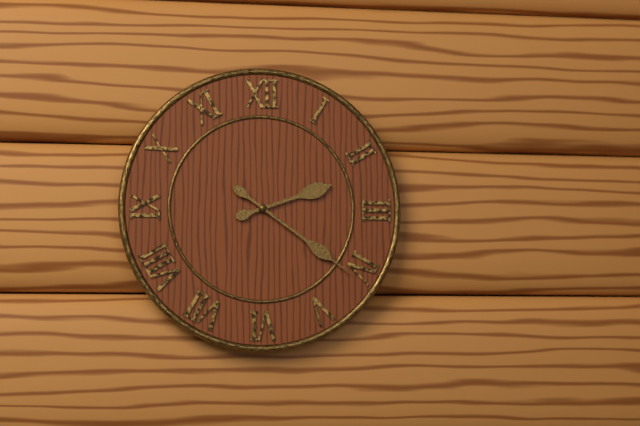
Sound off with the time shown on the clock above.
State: 2:21
